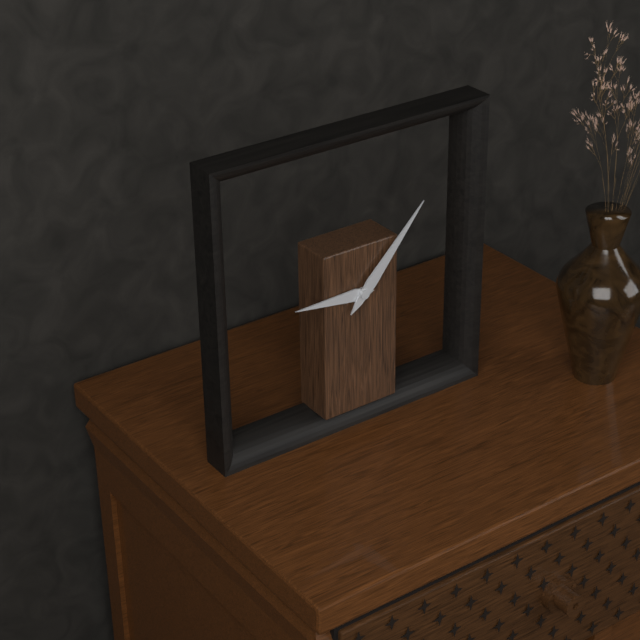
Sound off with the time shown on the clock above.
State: 9:07
